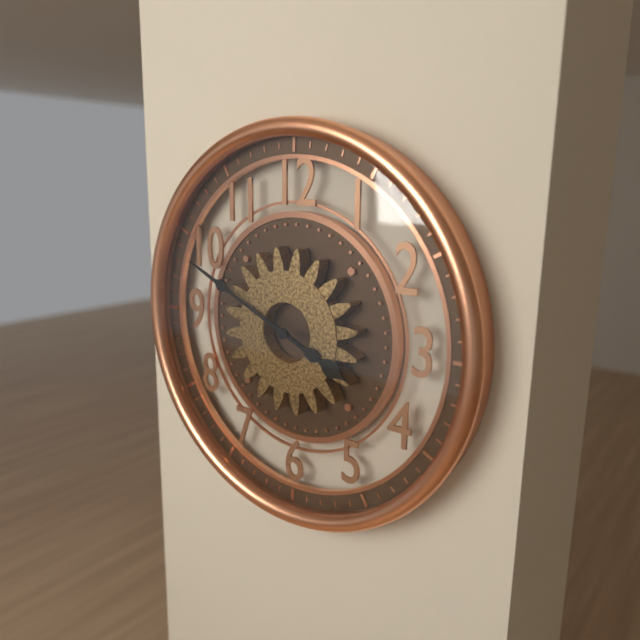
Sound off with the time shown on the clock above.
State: 3:49
